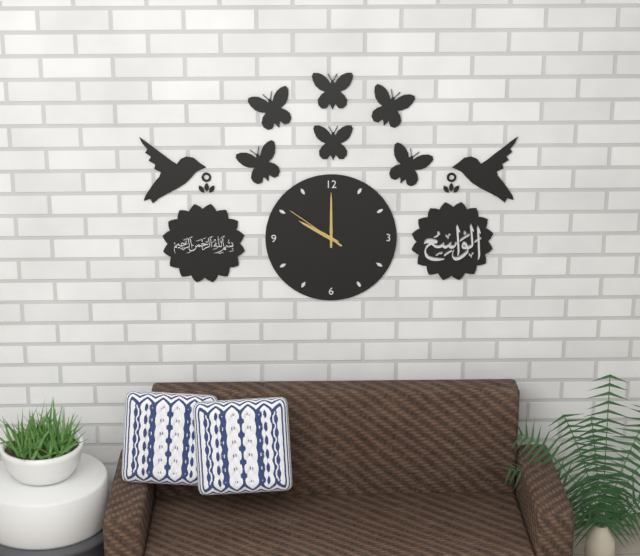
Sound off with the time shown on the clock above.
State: 10:00:51
